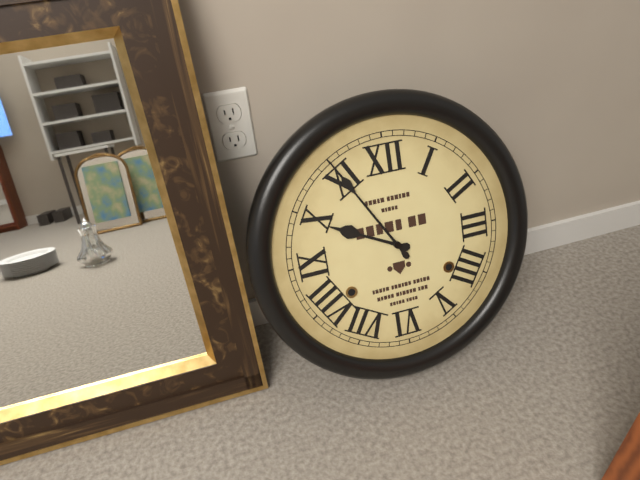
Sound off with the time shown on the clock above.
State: 9:55
